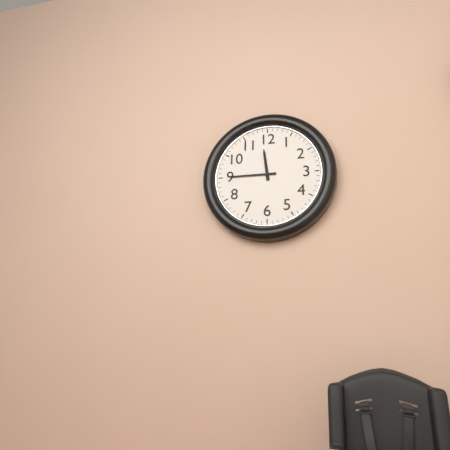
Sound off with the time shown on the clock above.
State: 11:45
